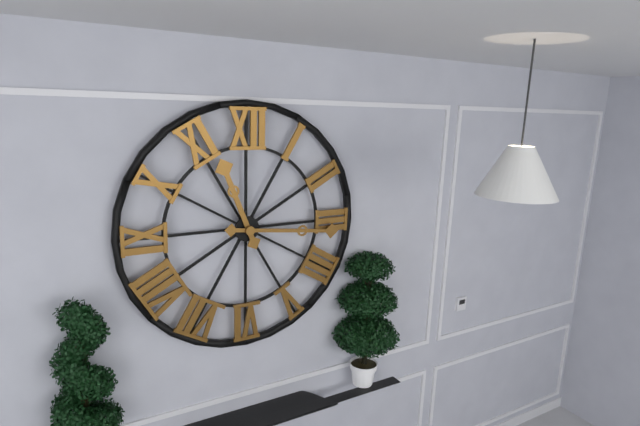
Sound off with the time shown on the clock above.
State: 11:16
